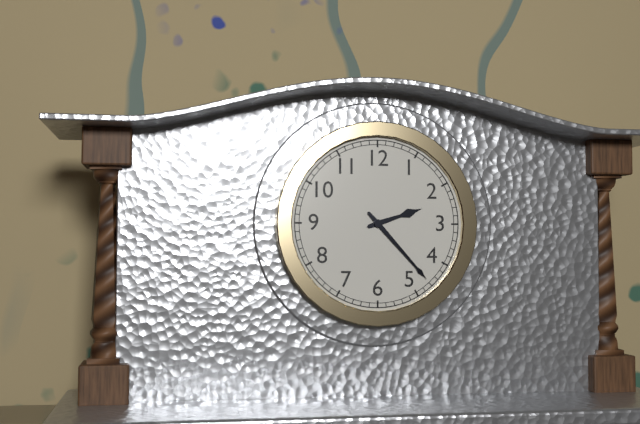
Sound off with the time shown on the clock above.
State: 2:23
